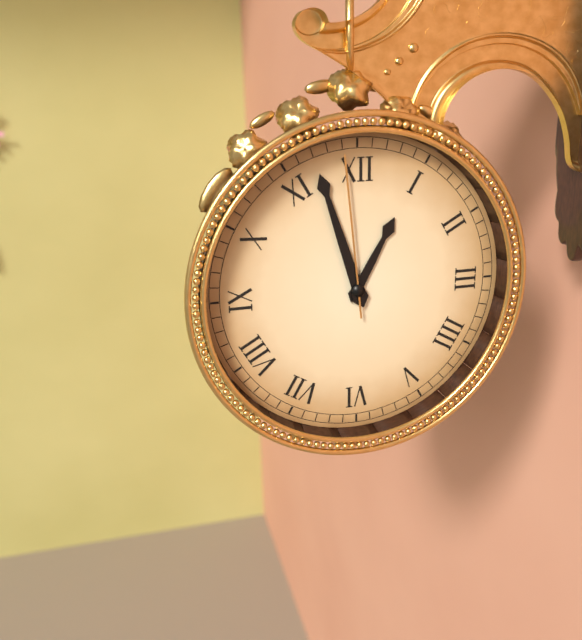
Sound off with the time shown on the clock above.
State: 12:57:59
